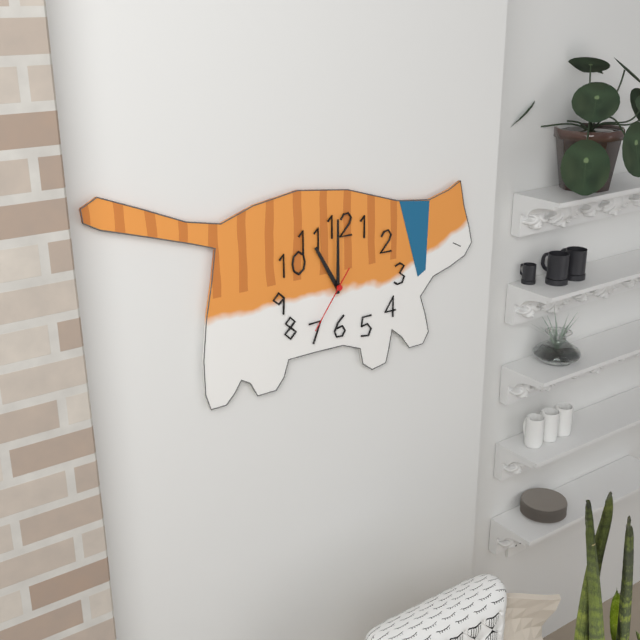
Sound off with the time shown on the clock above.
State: 11:00:36
